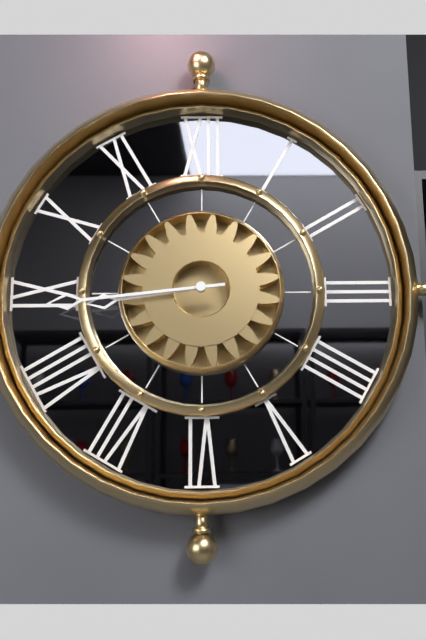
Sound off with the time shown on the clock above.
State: 8:44
